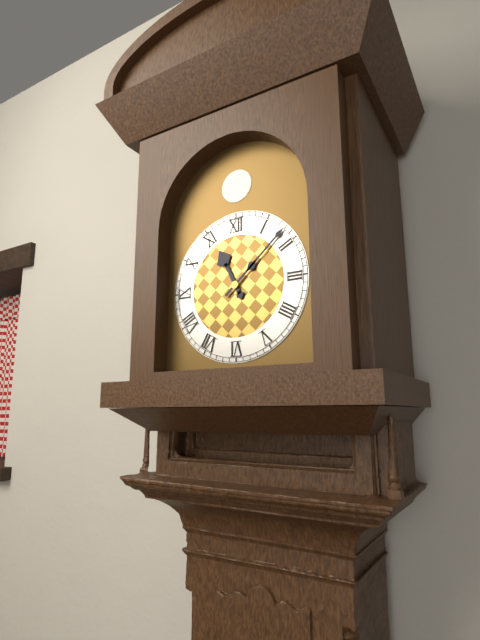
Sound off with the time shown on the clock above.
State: 11:08
